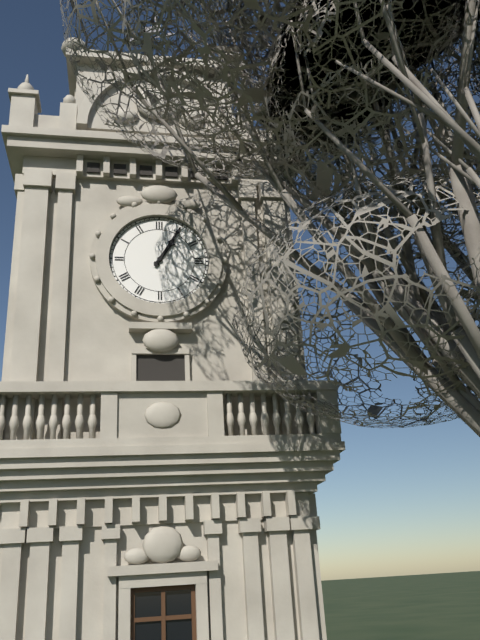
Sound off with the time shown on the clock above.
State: 1:05
